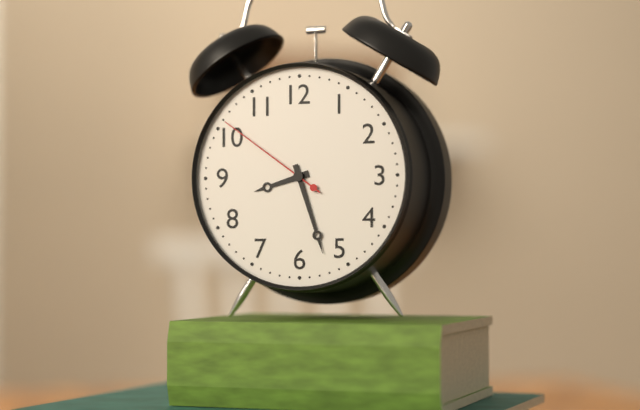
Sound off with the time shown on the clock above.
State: 8:27:51
